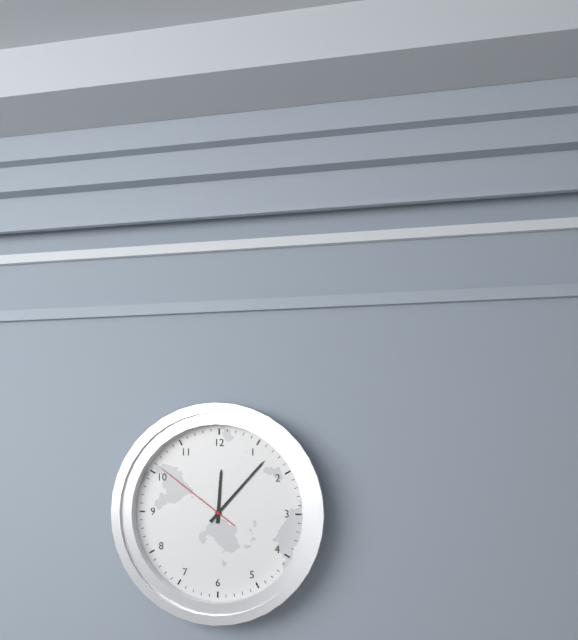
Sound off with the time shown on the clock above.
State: 12:07:51
